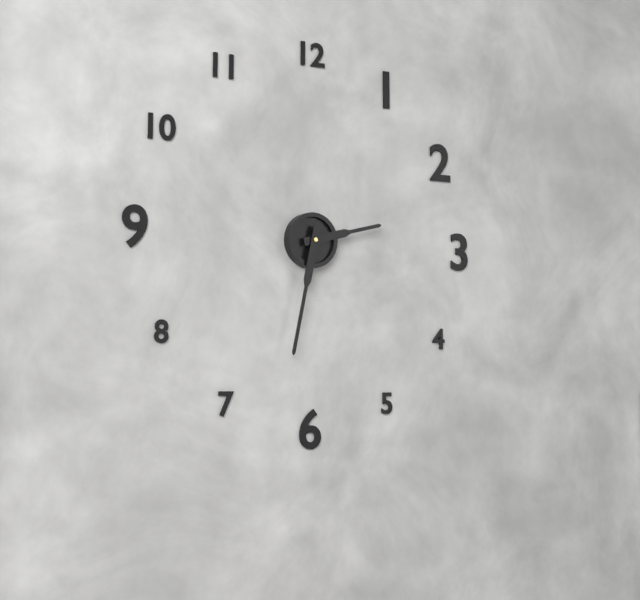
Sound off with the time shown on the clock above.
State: 2:32
